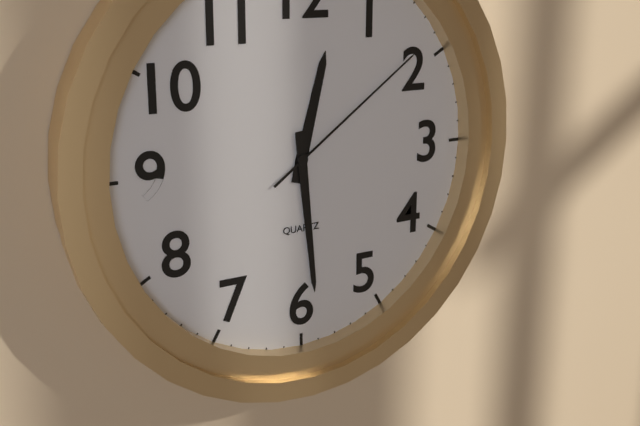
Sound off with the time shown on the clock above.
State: 12:29:09
